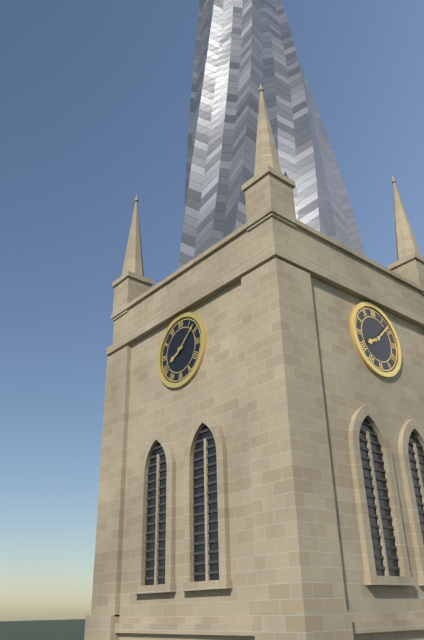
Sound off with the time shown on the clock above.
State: 8:08
